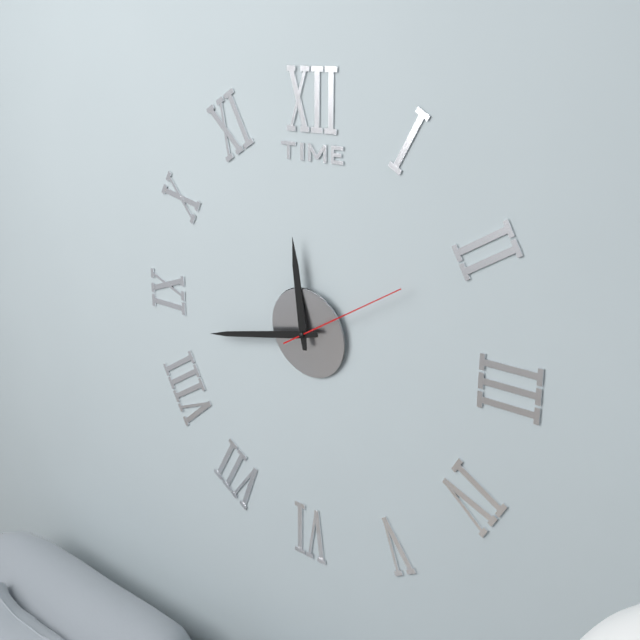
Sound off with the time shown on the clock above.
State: 11:43:10
